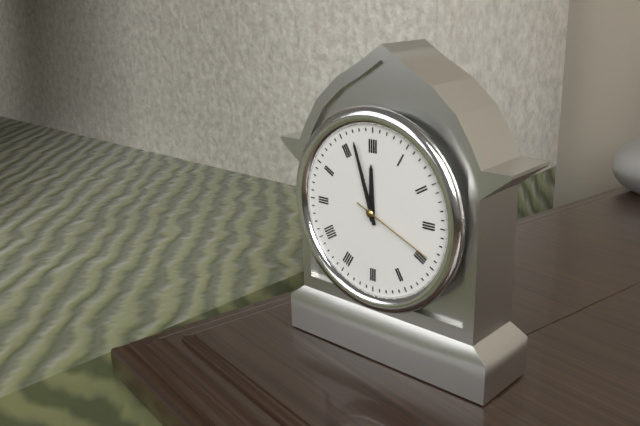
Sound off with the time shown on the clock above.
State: 11:57:19
